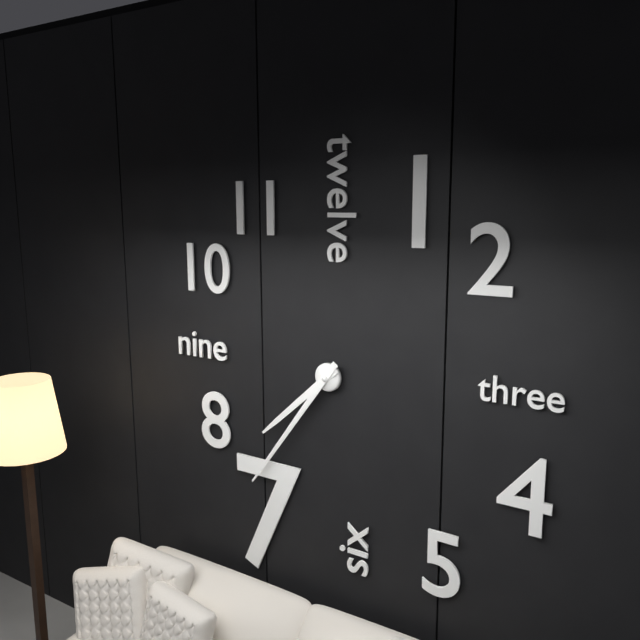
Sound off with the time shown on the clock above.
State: 7:36
